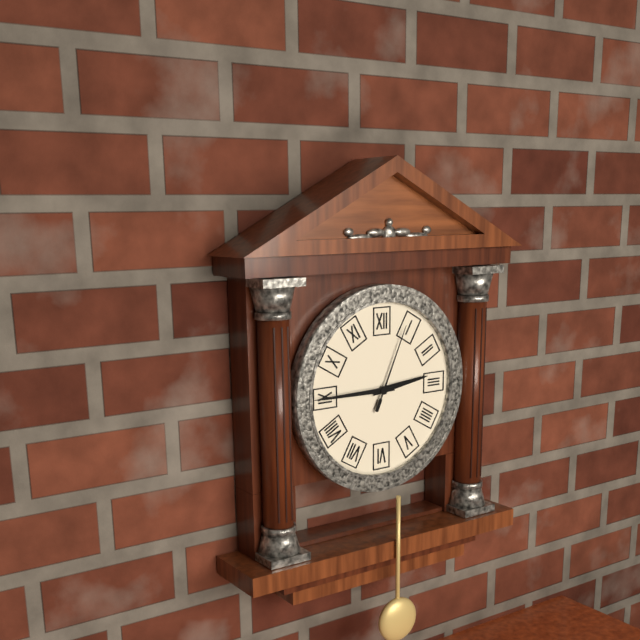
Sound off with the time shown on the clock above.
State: 2:45:04
